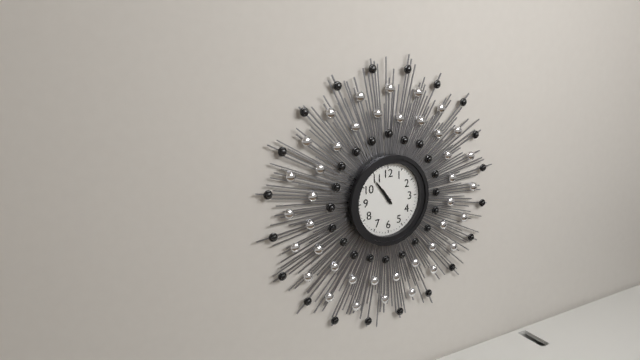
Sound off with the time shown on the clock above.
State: 10:54
